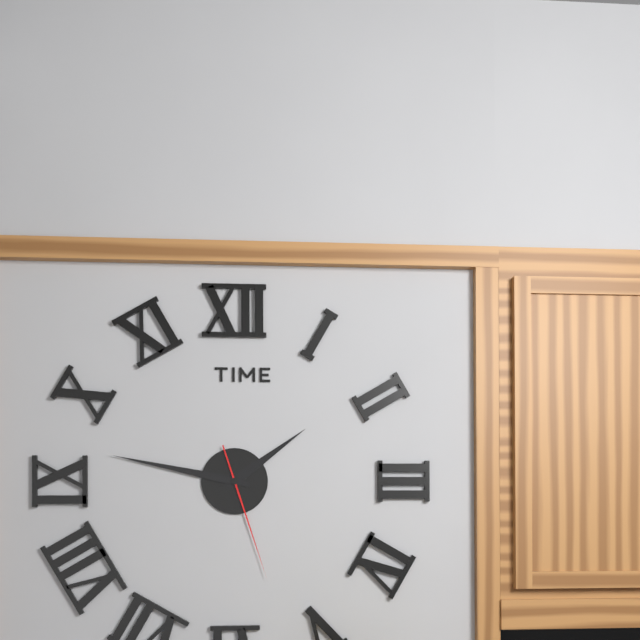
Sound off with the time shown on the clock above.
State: 1:47:27
